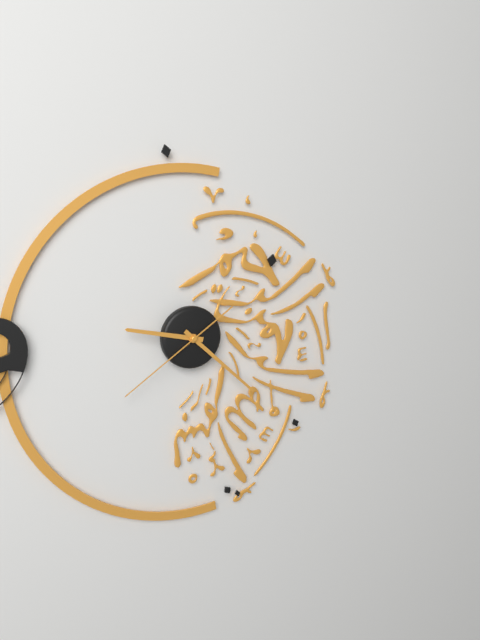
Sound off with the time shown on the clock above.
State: 9:22:39
